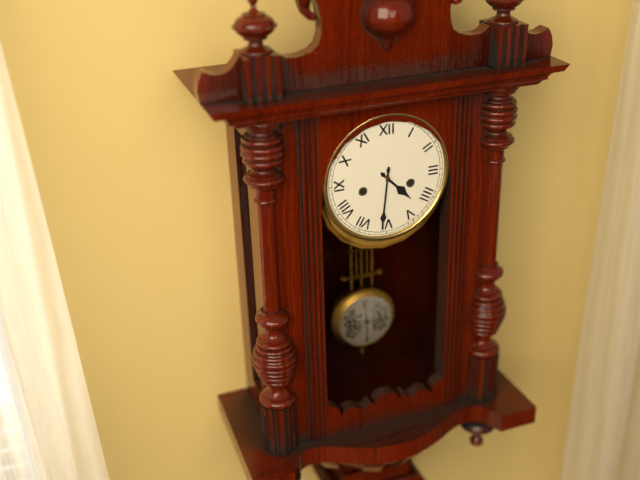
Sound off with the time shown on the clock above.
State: 4:31
